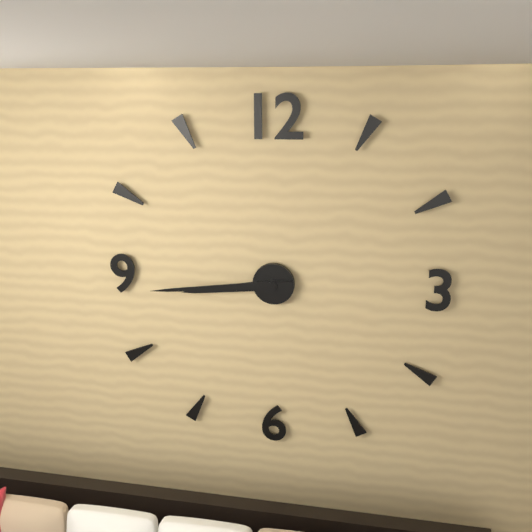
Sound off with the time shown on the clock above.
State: 8:44
